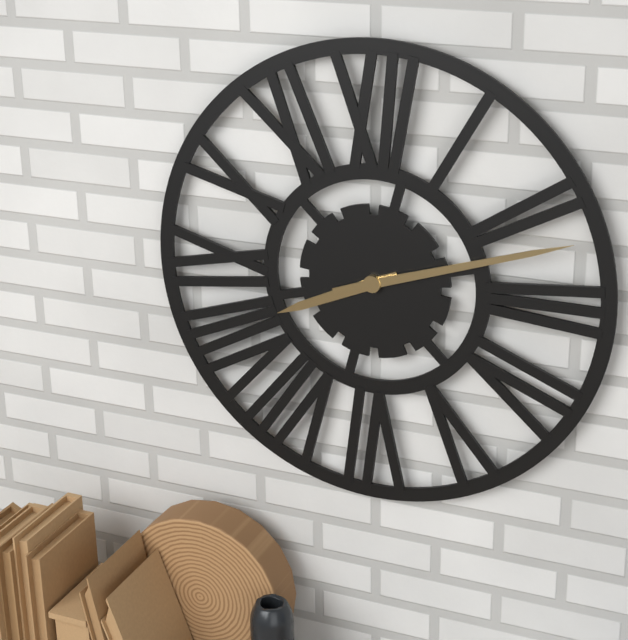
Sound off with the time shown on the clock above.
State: 8:12
